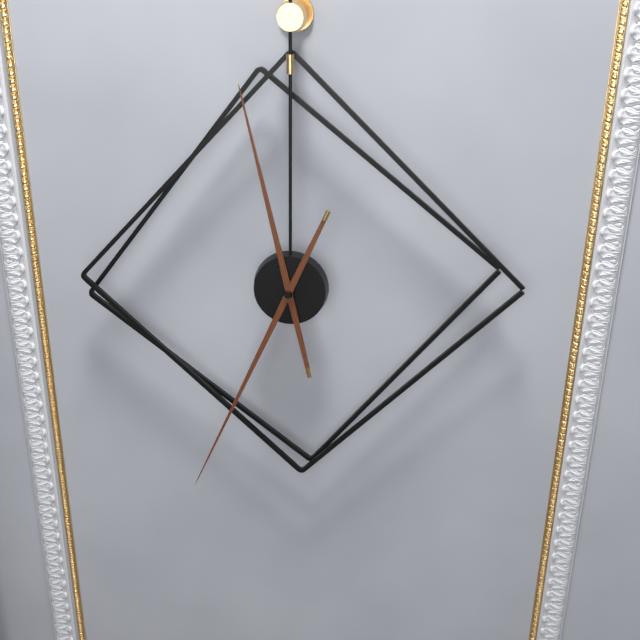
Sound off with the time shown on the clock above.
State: 11:34
